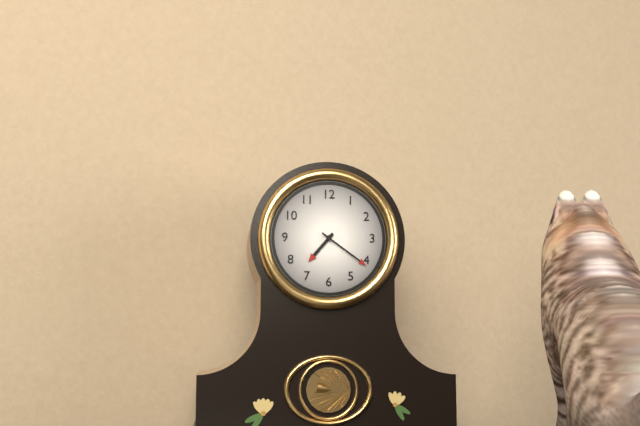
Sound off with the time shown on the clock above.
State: 7:21
